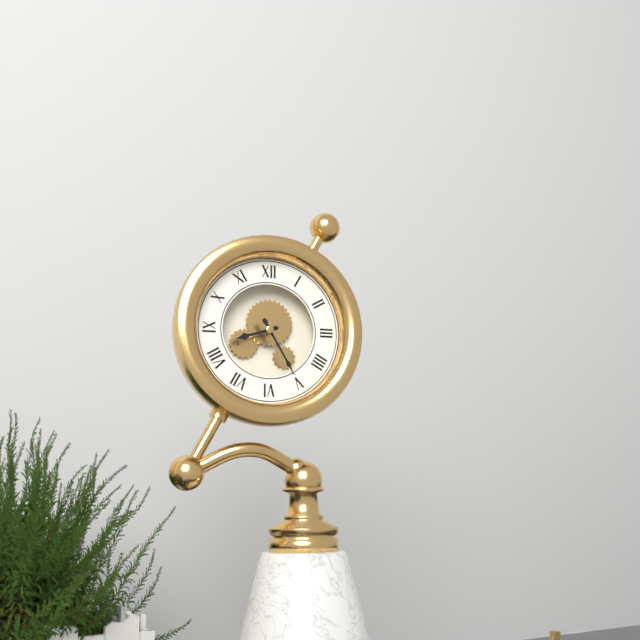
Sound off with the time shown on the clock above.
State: 8:25
